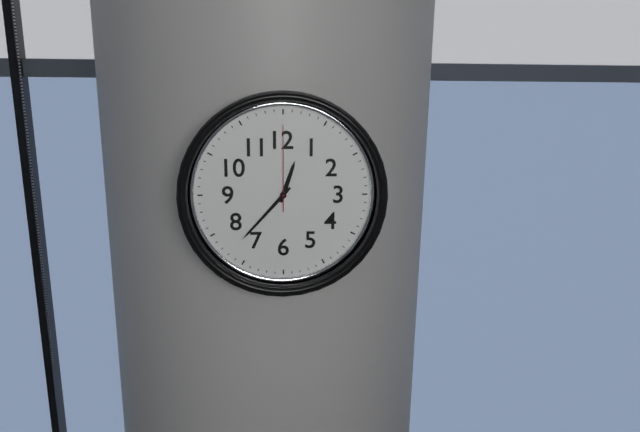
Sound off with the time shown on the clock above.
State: 12:37:00
